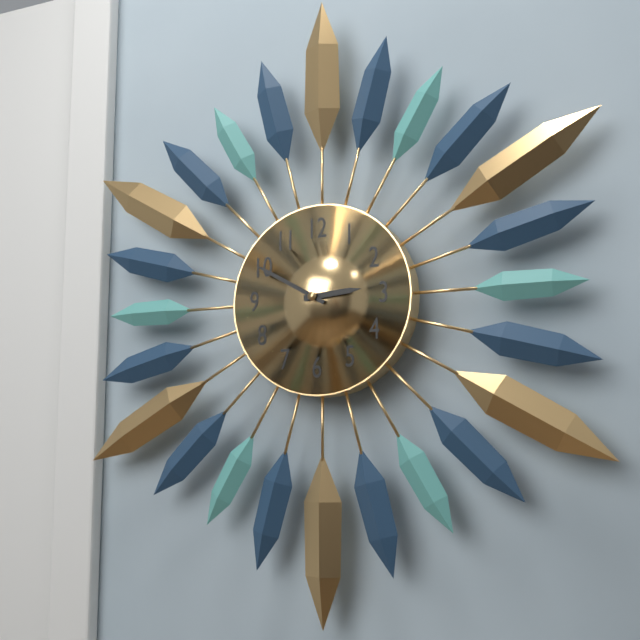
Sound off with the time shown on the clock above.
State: 2:50
